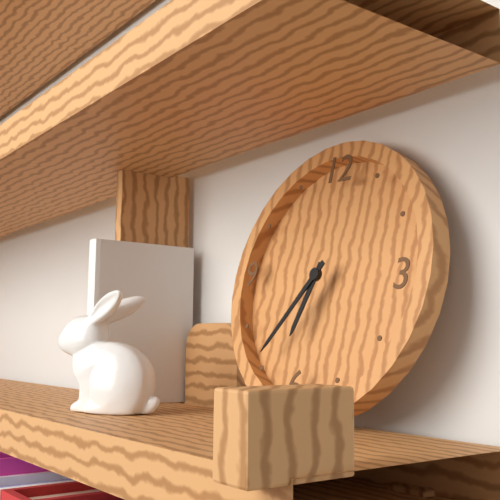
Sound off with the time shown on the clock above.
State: 6:36
